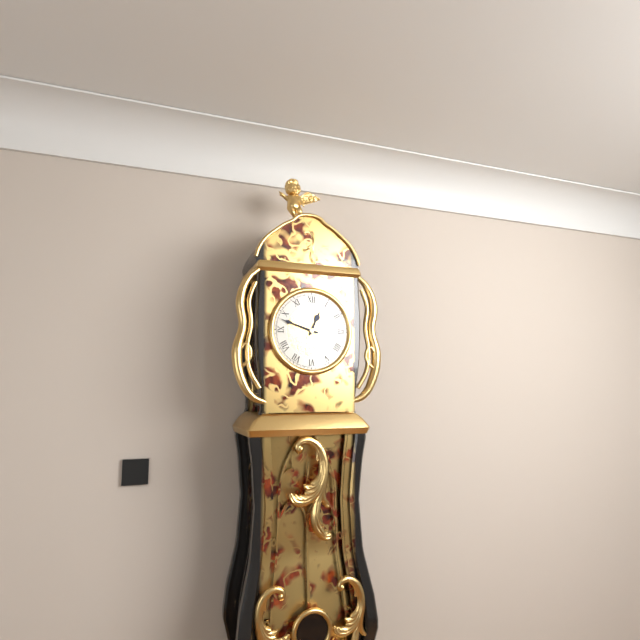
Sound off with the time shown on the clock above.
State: 12:48
